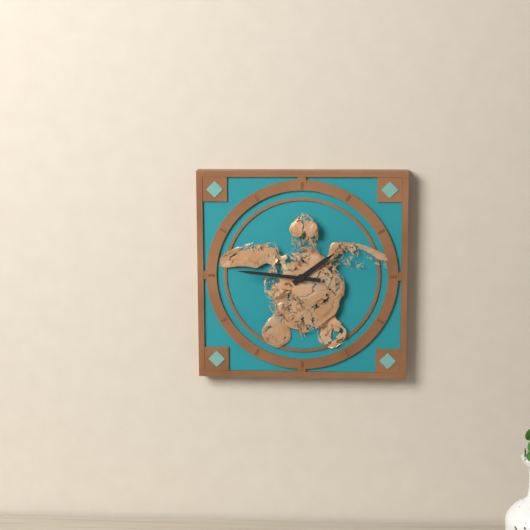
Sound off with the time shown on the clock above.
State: 1:46
